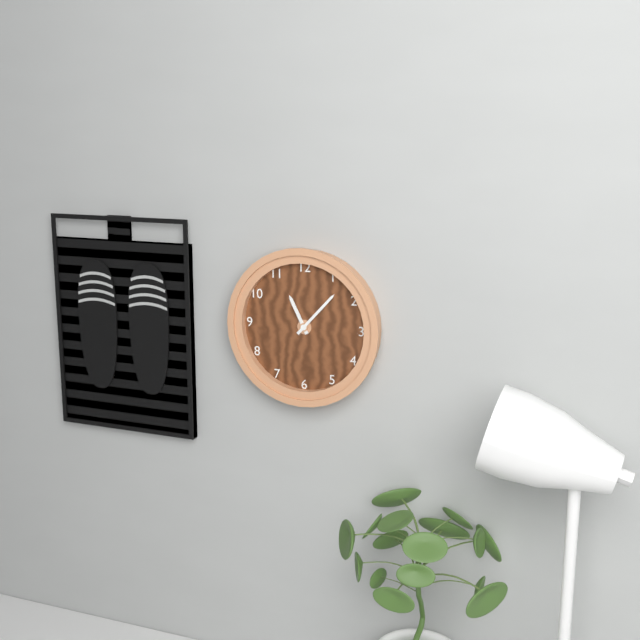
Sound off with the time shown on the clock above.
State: 11:07
